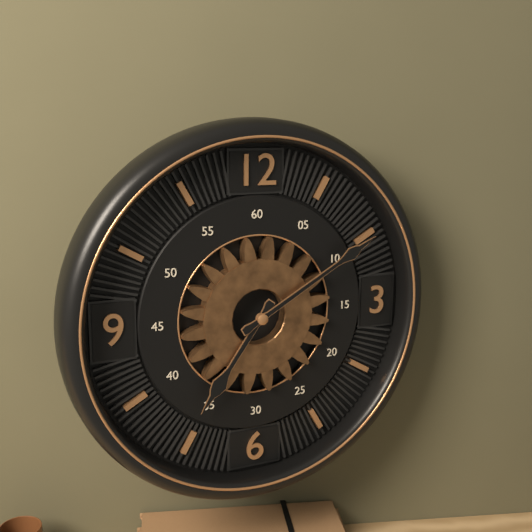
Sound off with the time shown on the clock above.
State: 7:10
